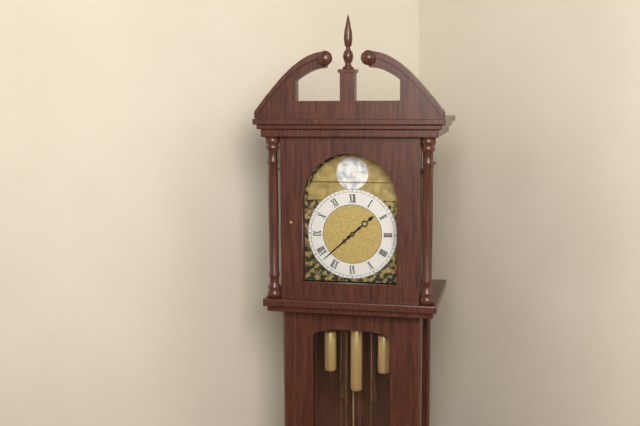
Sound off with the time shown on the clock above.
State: 1:38
